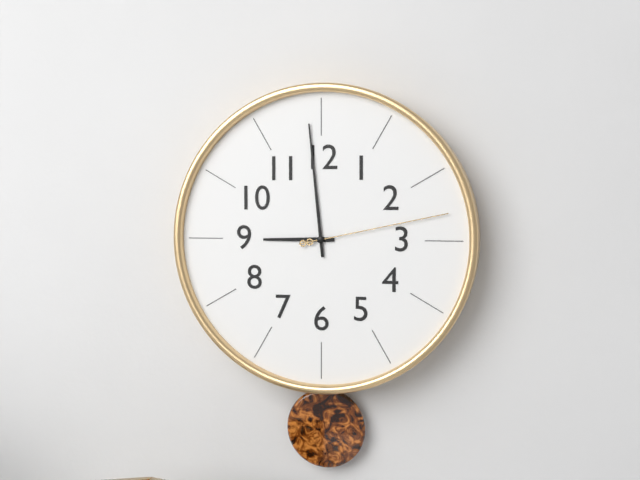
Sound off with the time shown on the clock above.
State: 8:59:13
